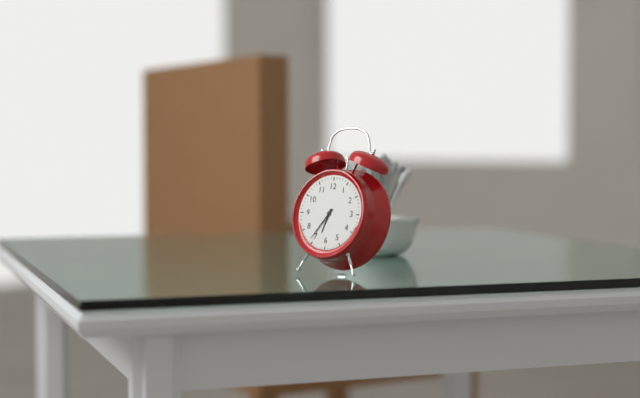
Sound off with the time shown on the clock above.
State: 6:36
